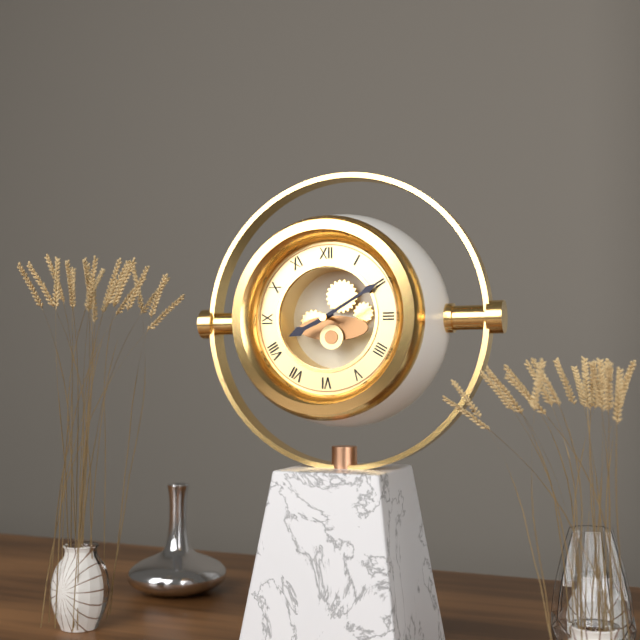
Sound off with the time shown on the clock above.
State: 8:10
